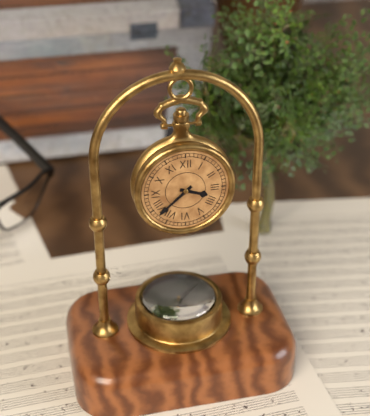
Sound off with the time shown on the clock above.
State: 3:38
